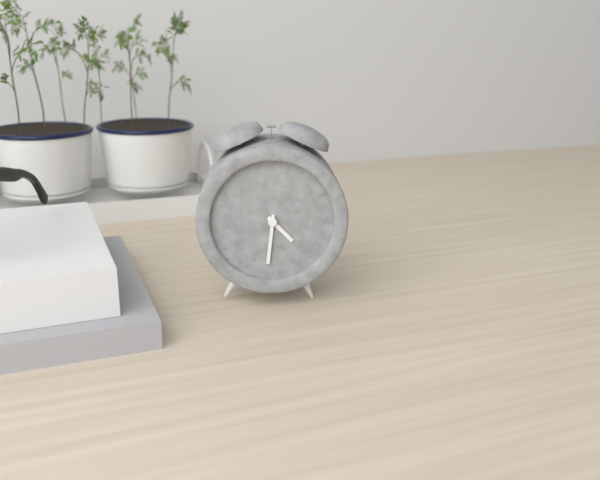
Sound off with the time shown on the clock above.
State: 4:31
